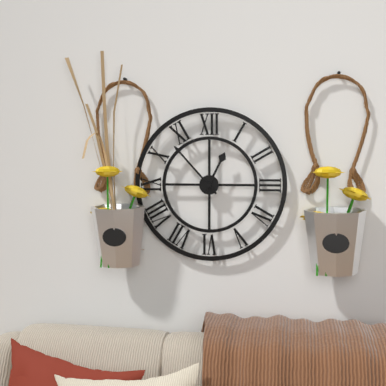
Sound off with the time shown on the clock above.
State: 12:53
